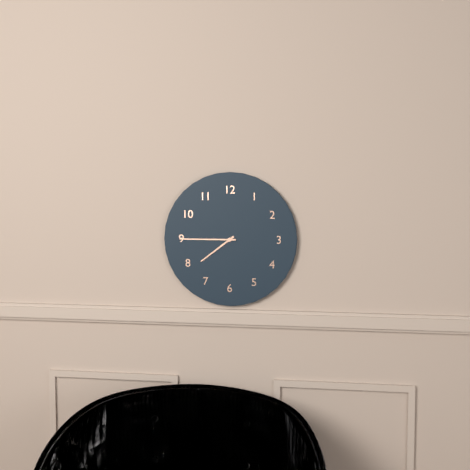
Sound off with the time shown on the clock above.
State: 7:45
